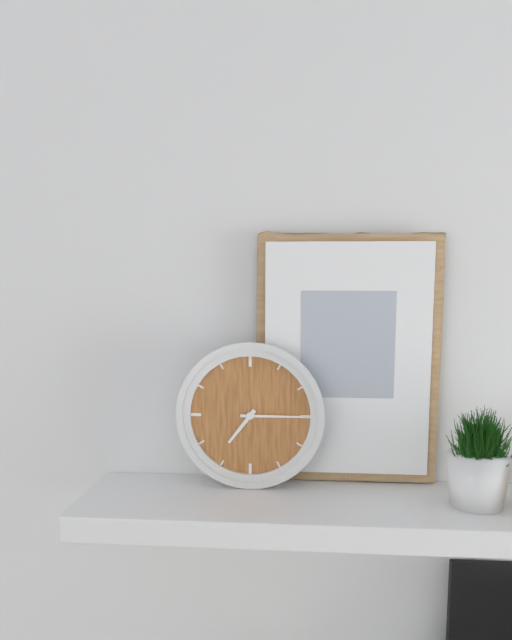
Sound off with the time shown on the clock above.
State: 7:15
